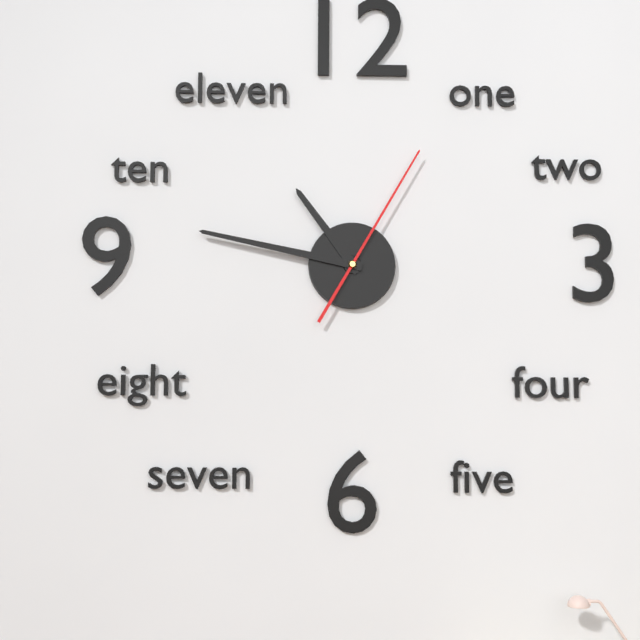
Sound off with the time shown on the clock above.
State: 10:47:05
